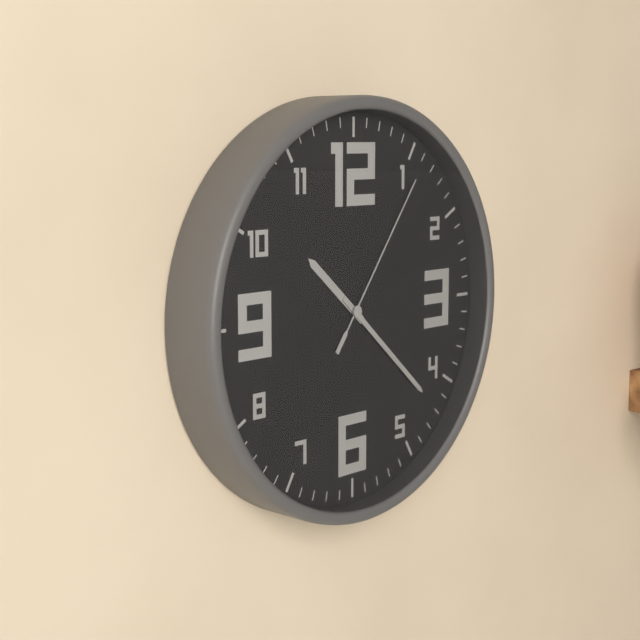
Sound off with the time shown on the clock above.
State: 10:22:06
